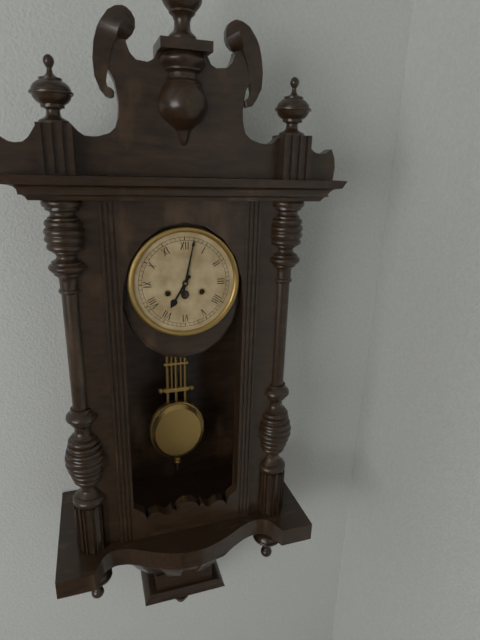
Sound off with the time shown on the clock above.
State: 7:02
